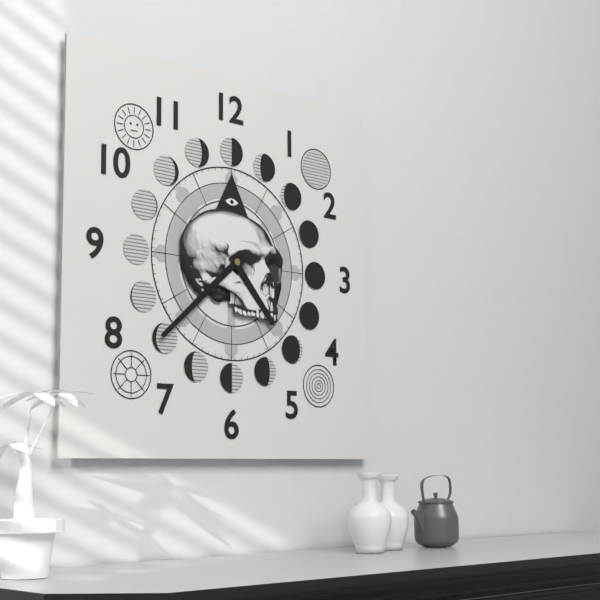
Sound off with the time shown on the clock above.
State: 4:38
